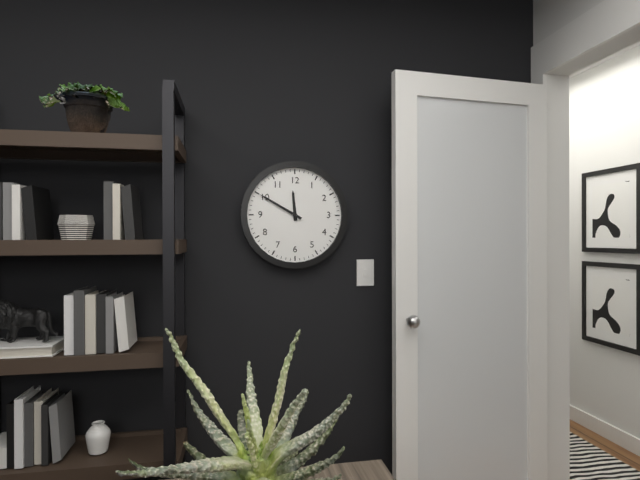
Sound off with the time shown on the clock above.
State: 11:50
